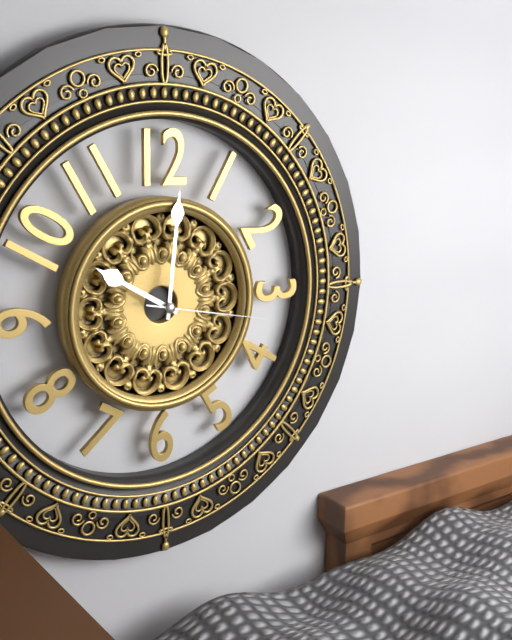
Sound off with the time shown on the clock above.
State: 10:01:17
